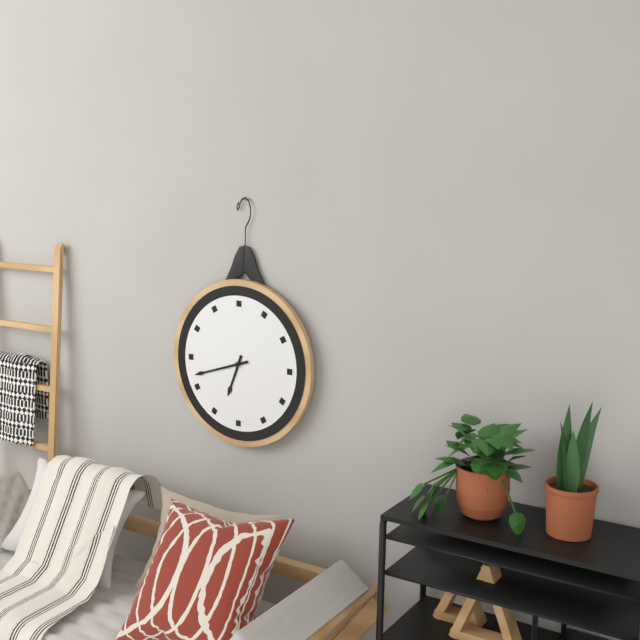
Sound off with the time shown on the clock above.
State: 6:42
